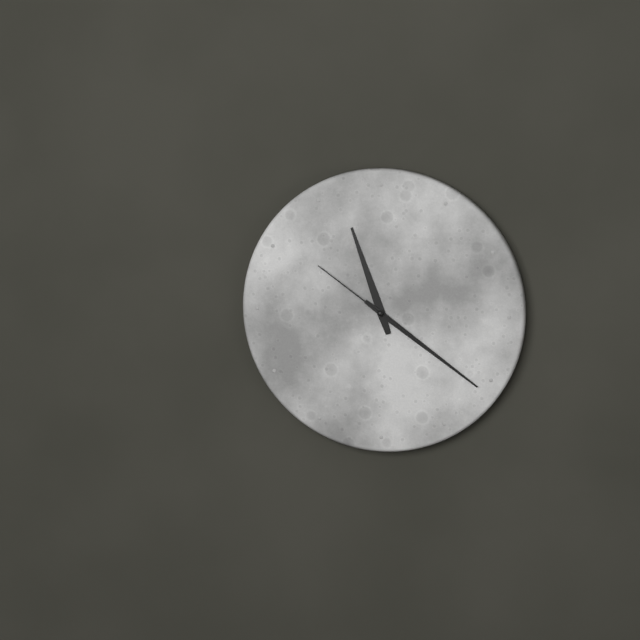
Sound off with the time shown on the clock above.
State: 11:21:51
